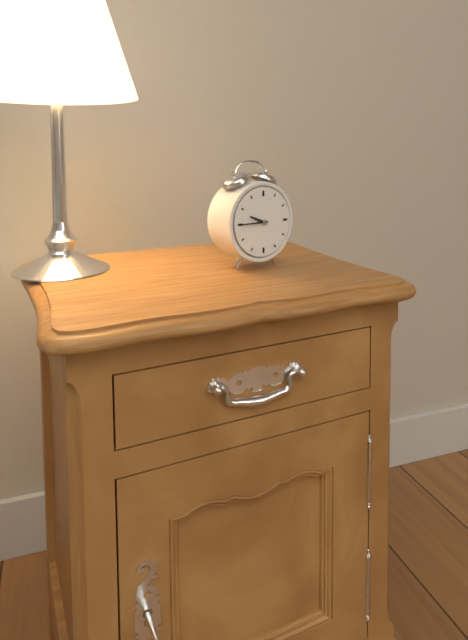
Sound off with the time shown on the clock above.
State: 9:45
